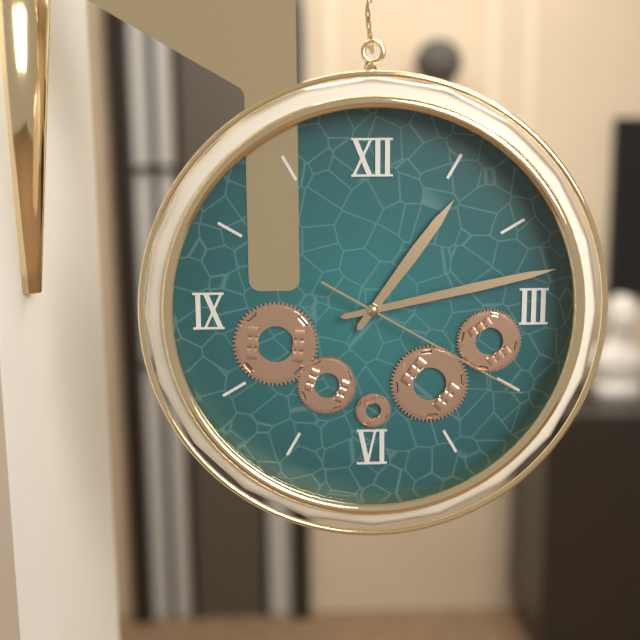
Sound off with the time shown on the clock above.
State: 1:13:20
